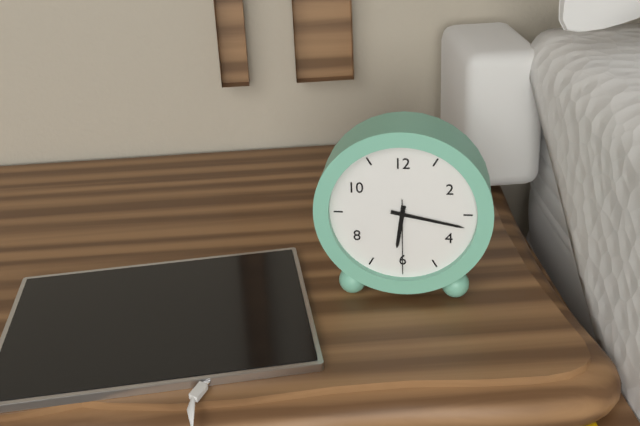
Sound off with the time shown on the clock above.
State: 6:17:30
